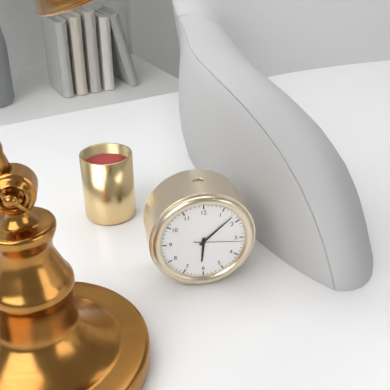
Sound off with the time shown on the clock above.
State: 6:08:16
